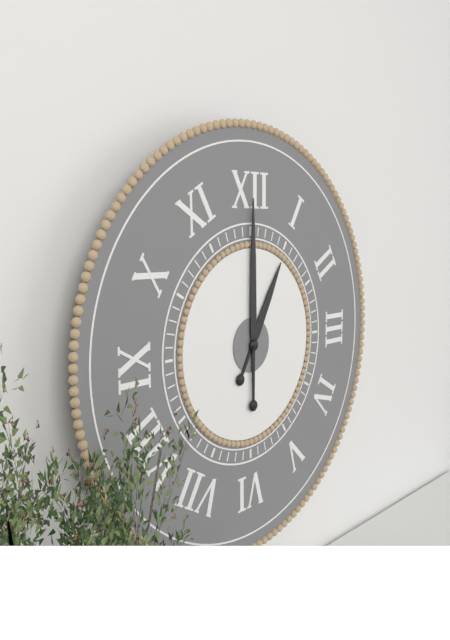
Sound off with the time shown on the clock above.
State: 1:00
